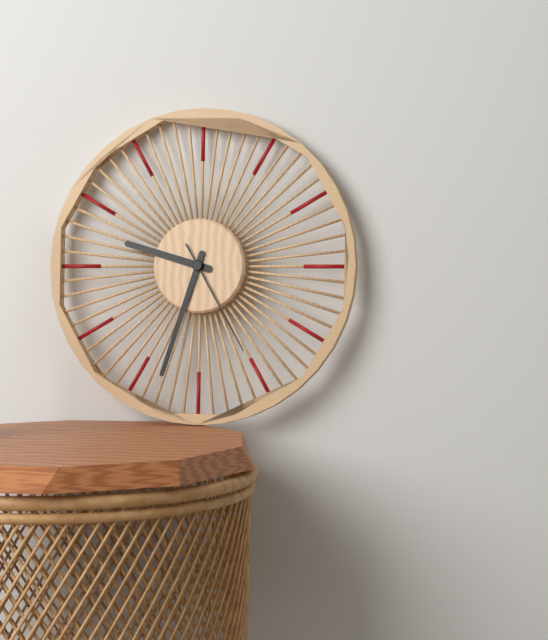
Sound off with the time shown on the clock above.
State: 9:33:25
